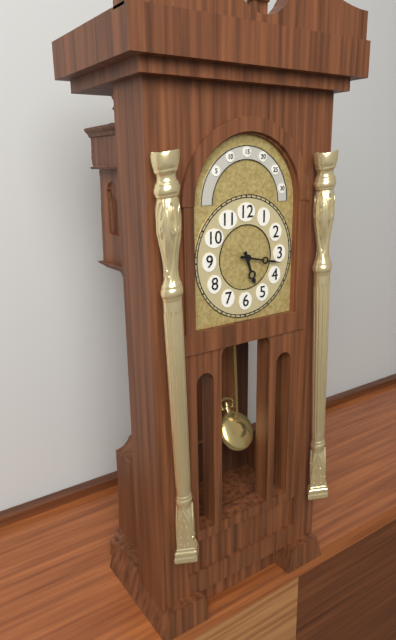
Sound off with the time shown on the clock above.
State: 5:17
